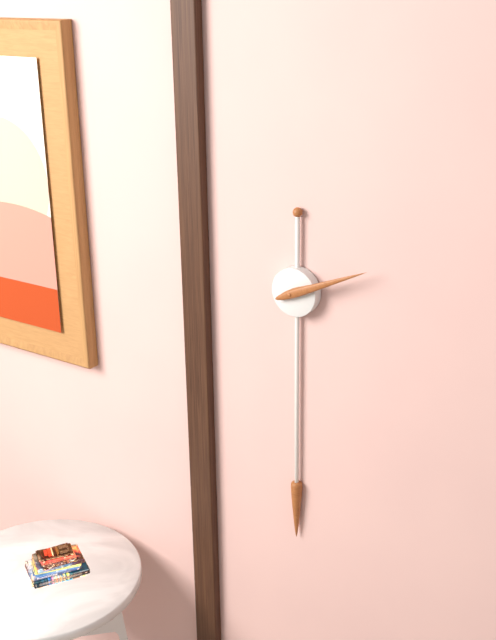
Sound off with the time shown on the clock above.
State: 2:11
